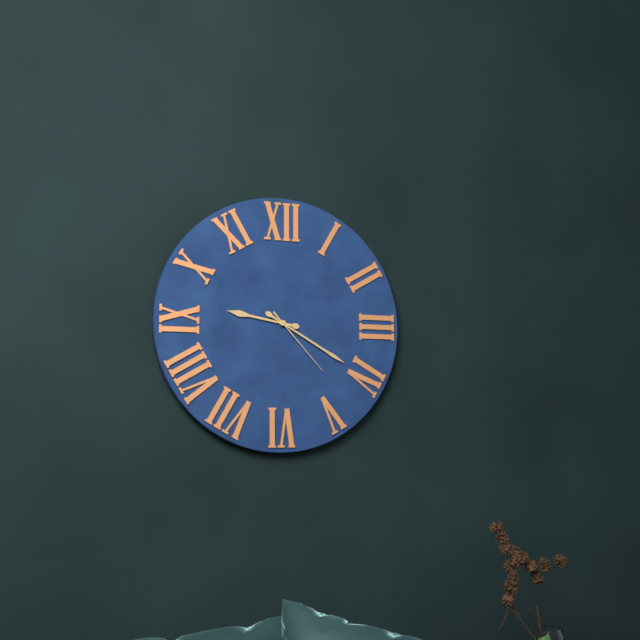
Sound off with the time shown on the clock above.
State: 9:20:23
